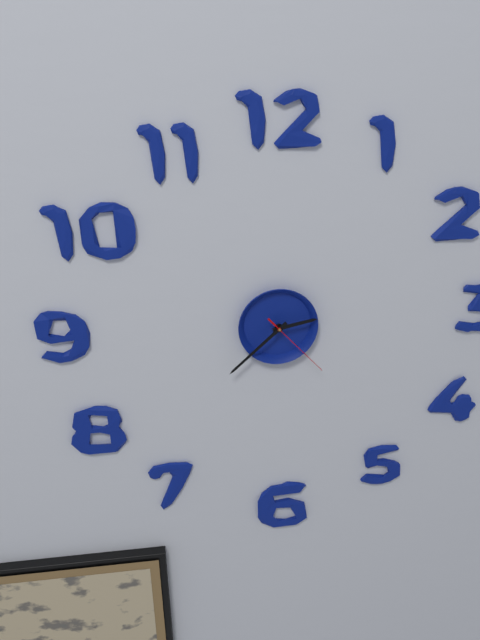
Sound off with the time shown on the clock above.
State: 2:38:23
